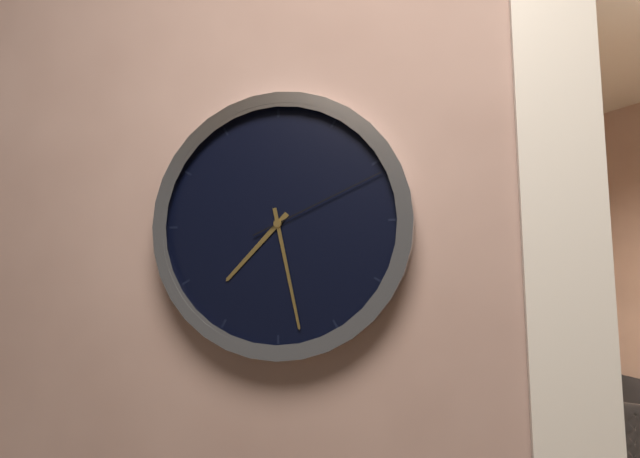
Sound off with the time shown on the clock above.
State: 7:28:11
